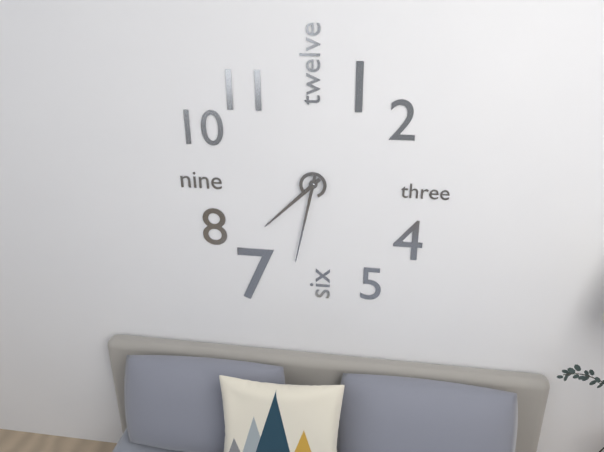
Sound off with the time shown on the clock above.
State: 7:32
